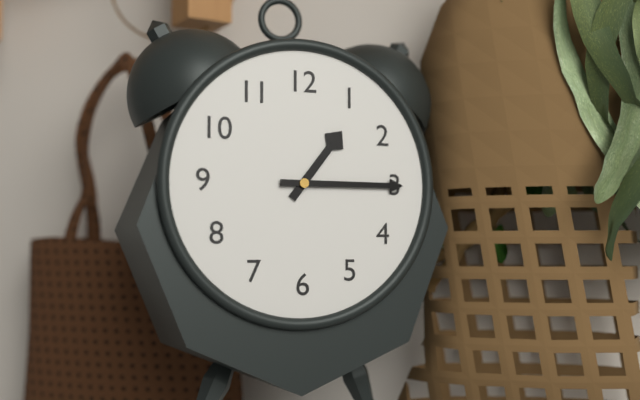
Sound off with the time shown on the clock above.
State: 1:15
